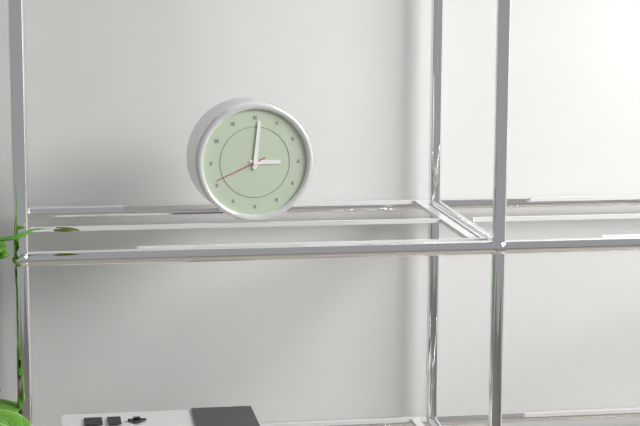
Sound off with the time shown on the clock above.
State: 3:01:41
